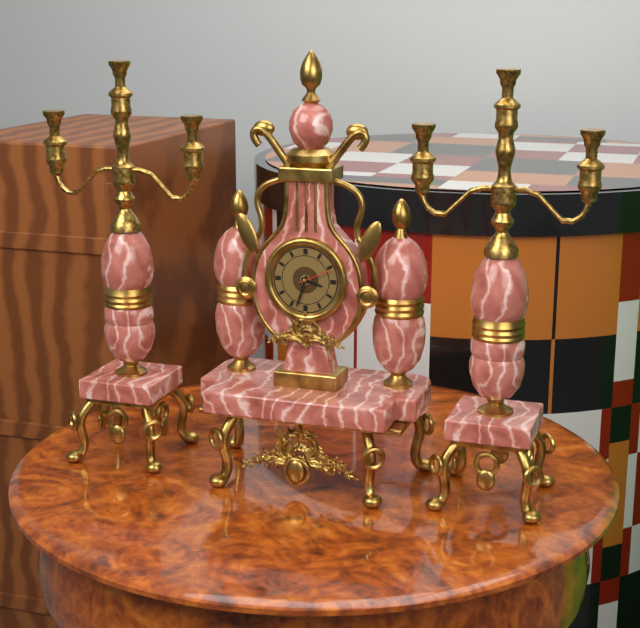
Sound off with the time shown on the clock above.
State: 3:33
